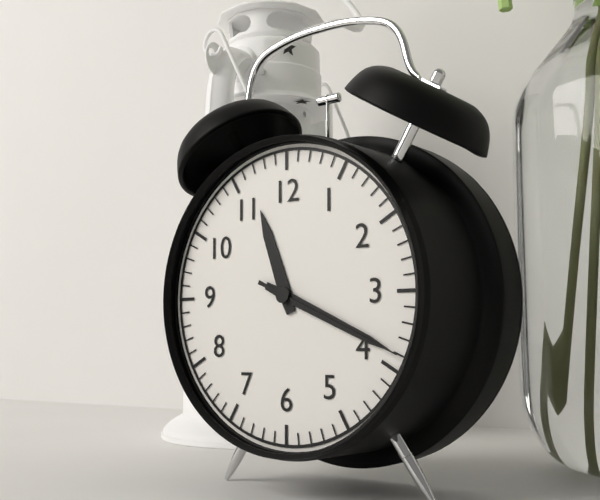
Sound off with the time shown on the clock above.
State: 11:19:19
